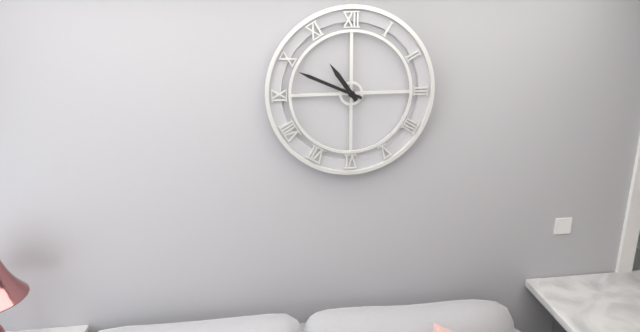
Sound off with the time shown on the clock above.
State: 10:49
